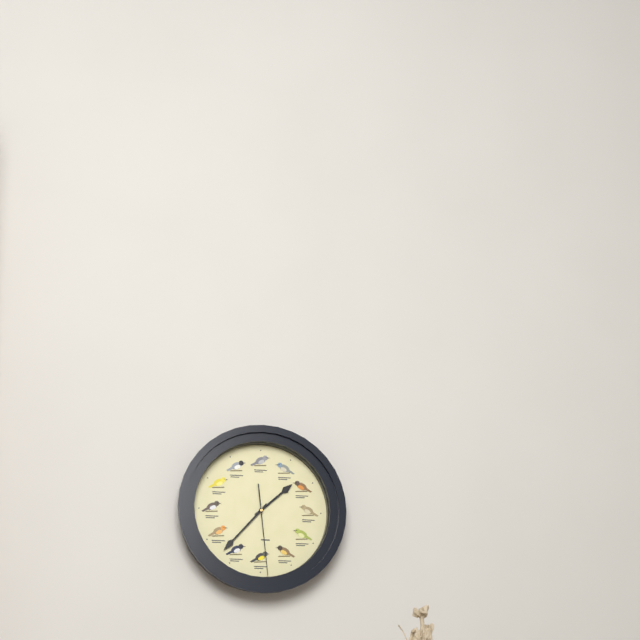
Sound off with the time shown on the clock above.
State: 1:37:29
